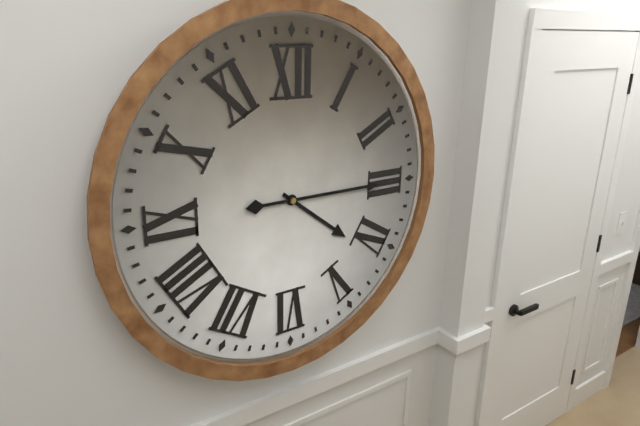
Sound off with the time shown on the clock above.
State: 4:15
